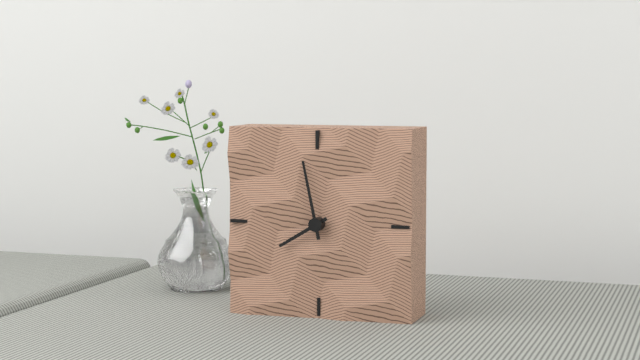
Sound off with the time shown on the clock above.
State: 7:58
